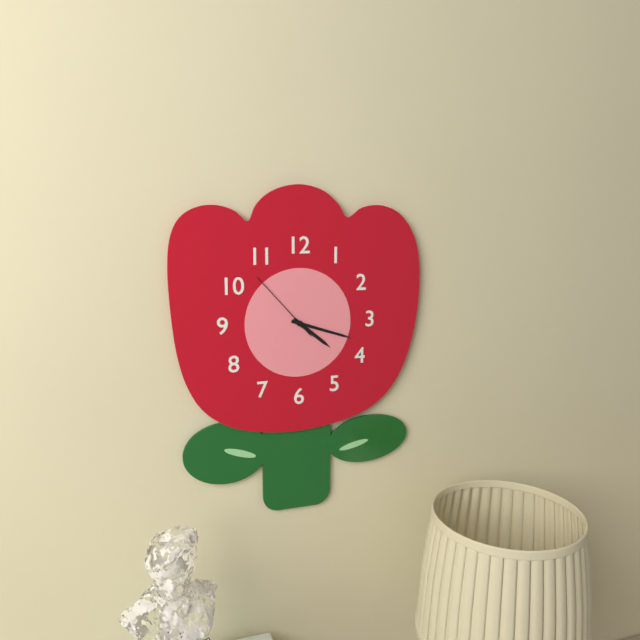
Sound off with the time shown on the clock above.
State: 4:18:53
